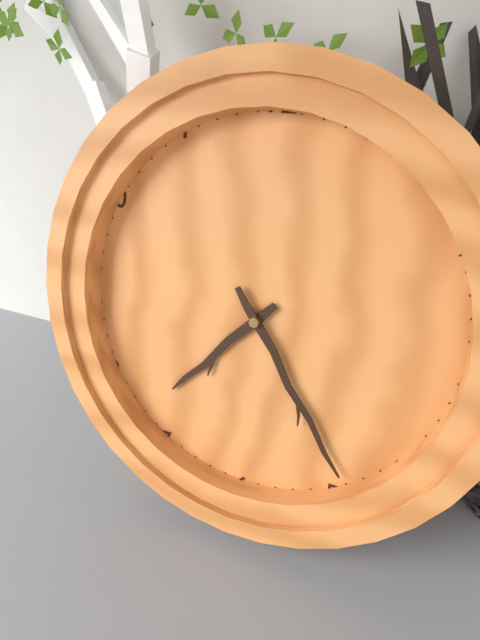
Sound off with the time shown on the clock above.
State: 7:24
